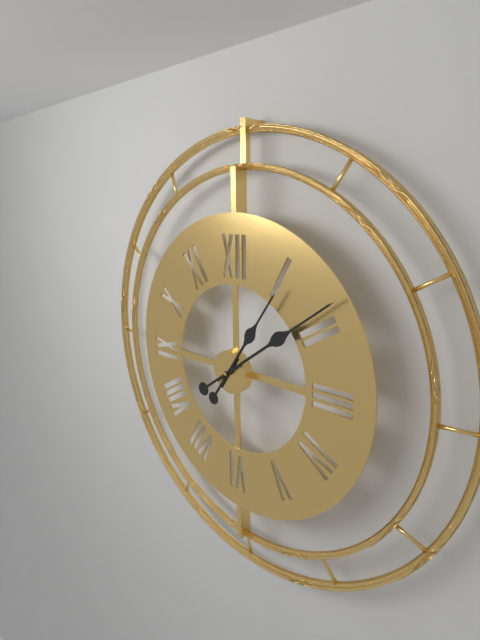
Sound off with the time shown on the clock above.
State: 1:09
